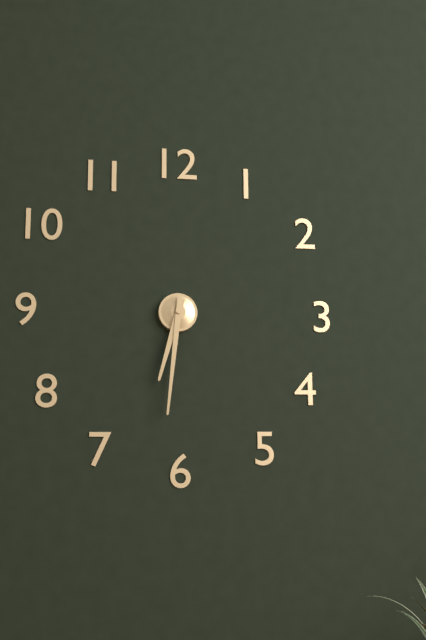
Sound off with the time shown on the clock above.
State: 6:31
